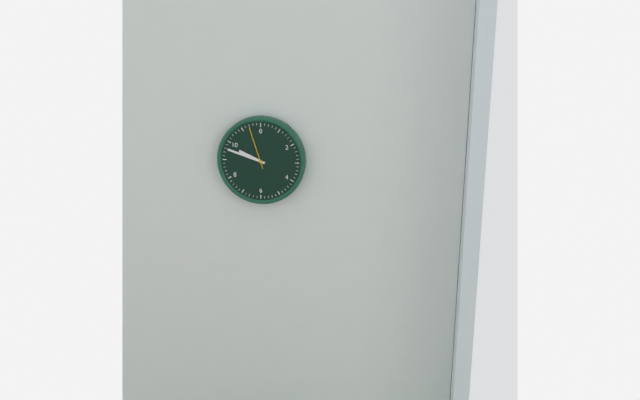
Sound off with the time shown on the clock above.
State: 9:48
